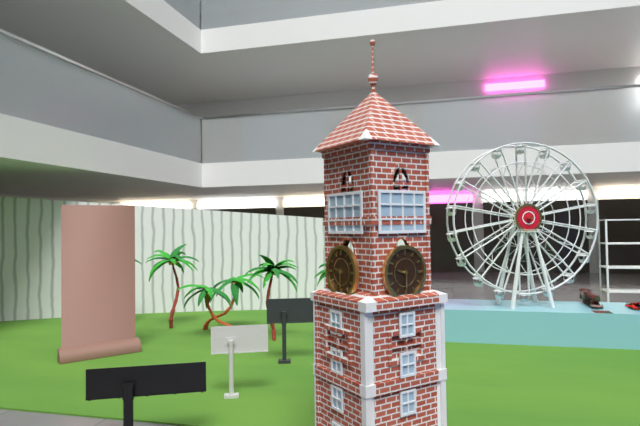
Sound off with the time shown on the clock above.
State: 9:30
